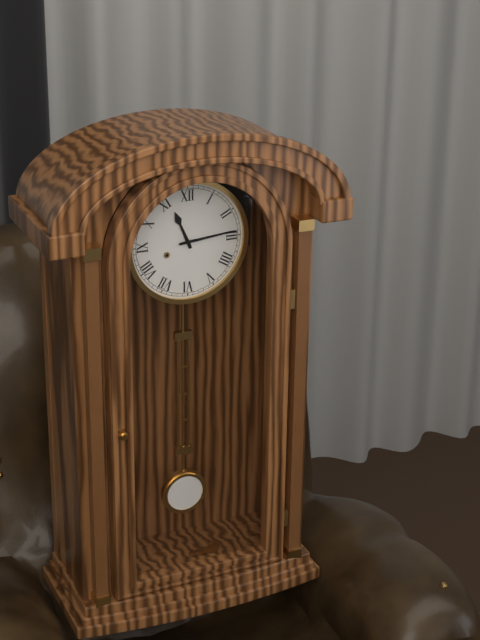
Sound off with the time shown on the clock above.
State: 11:14
